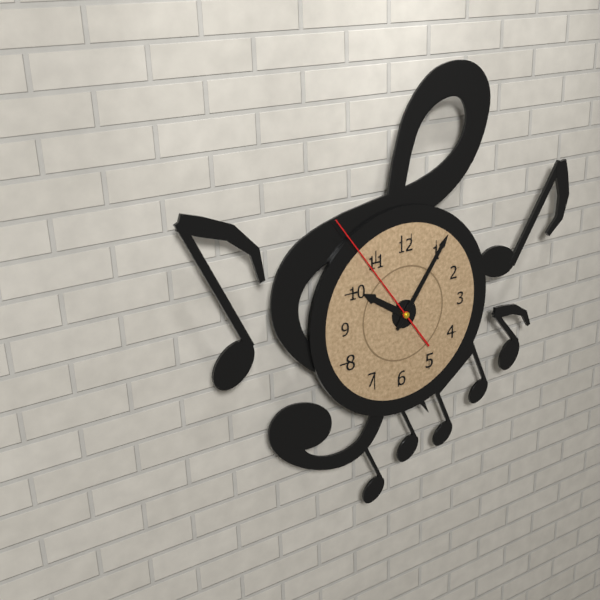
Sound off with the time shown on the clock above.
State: 10:06:54
